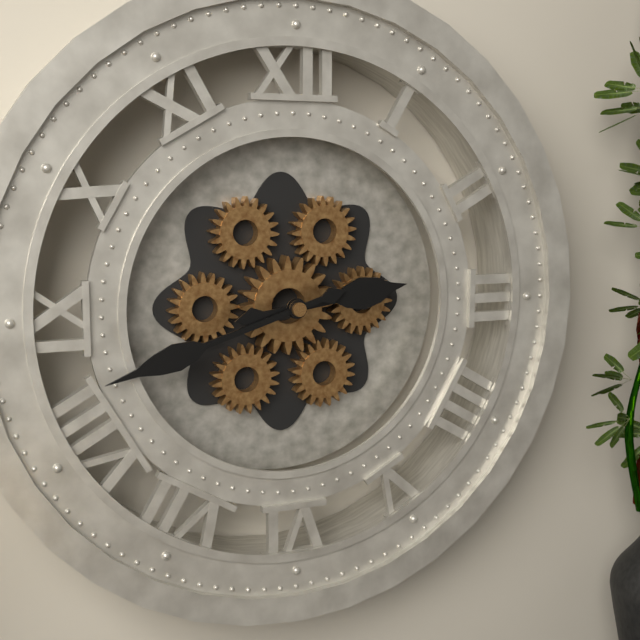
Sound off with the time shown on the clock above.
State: 2:42
